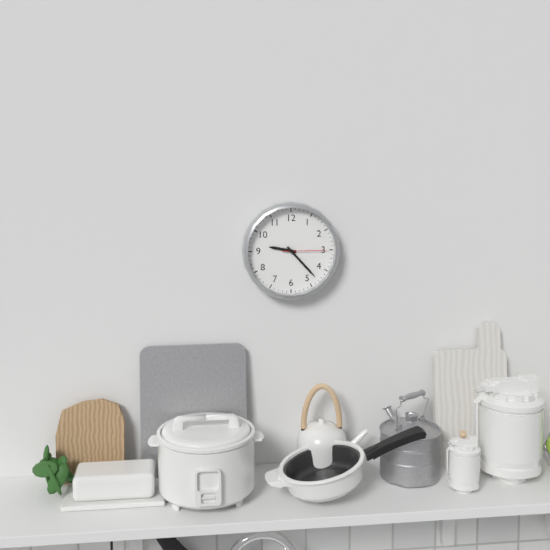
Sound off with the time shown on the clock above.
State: 9:23
